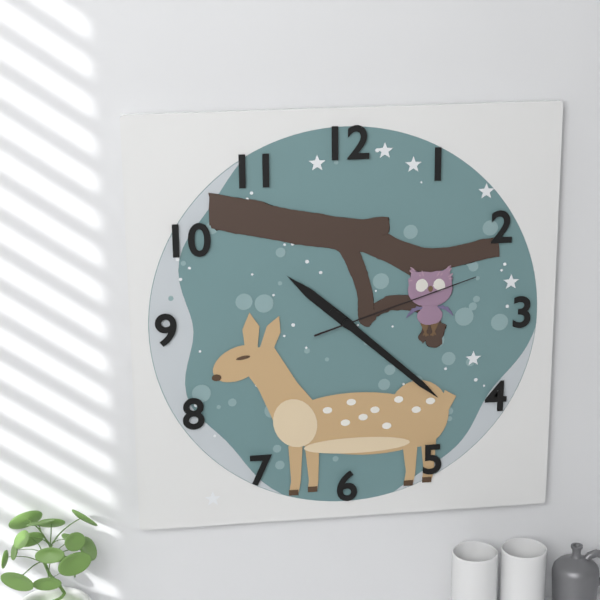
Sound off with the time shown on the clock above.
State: 10:22:12
